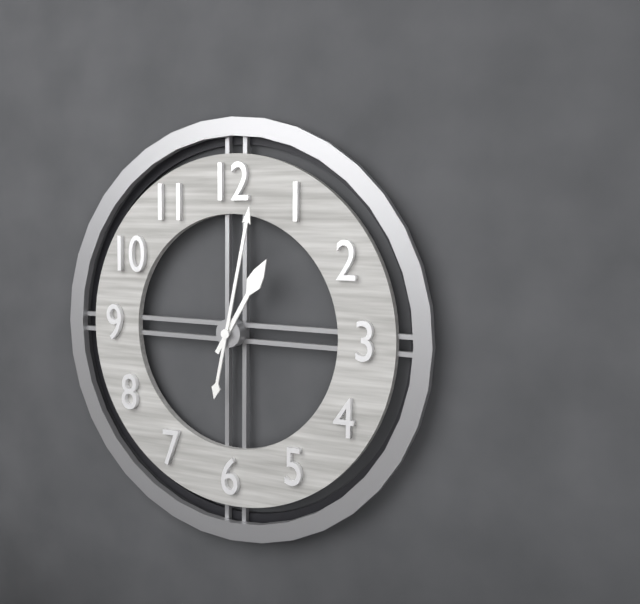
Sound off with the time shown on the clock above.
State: 1:02
